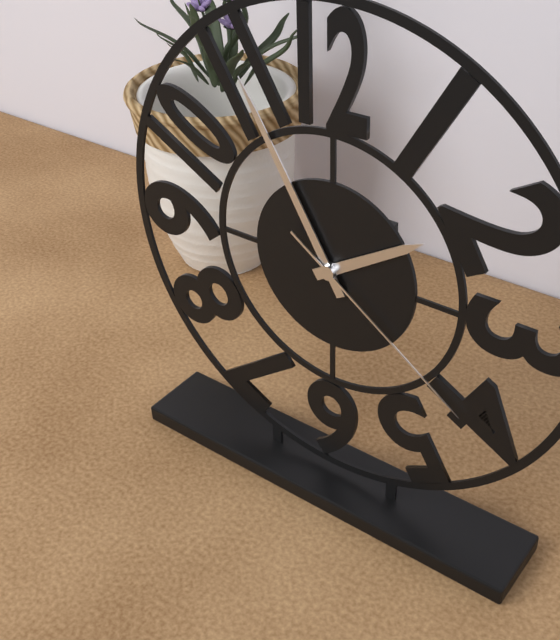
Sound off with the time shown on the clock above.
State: 1:55:21
